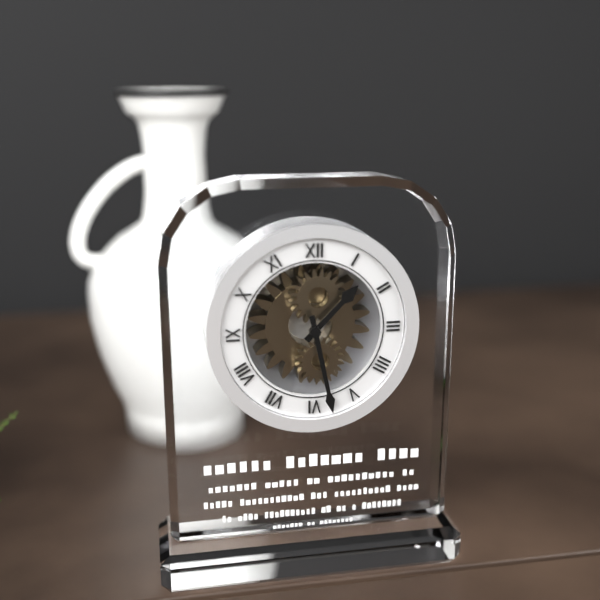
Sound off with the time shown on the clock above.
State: 1:28
